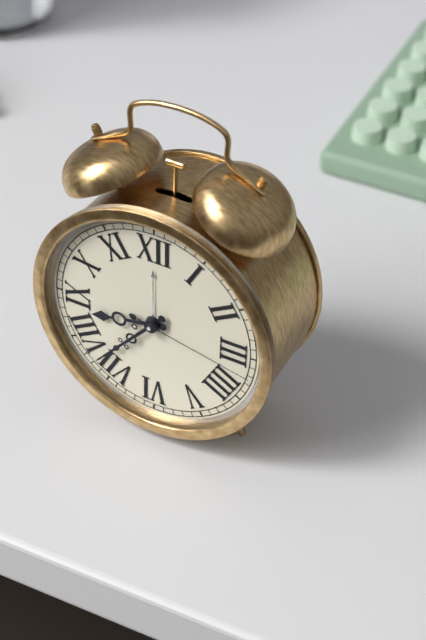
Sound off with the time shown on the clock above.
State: 8:37:17
